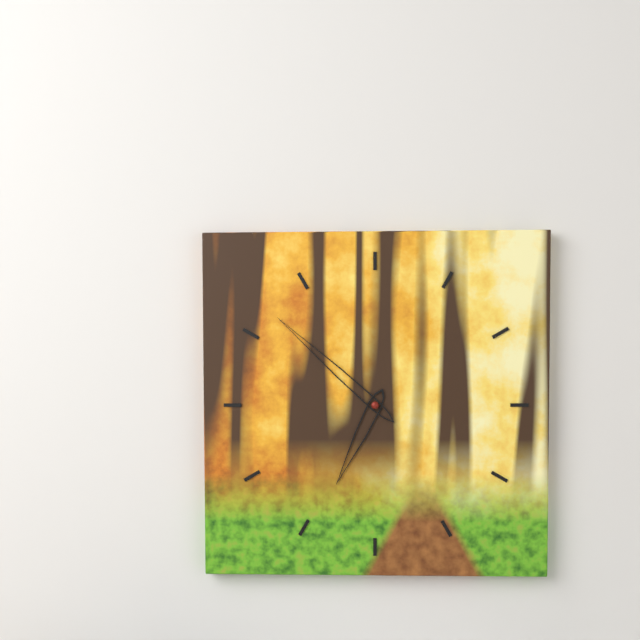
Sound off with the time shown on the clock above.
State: 6:52
